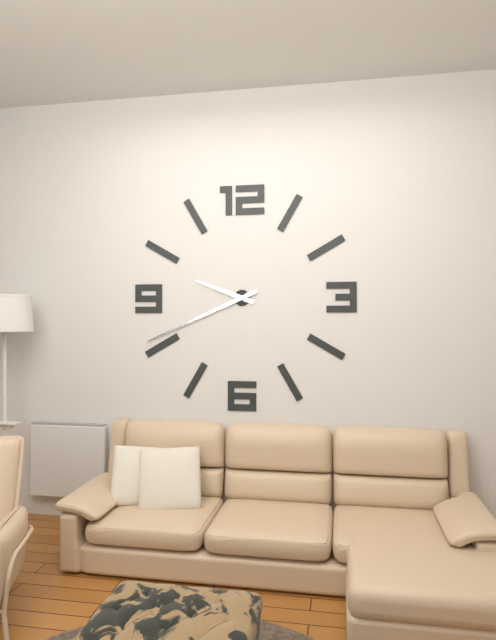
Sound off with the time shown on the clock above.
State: 9:41
